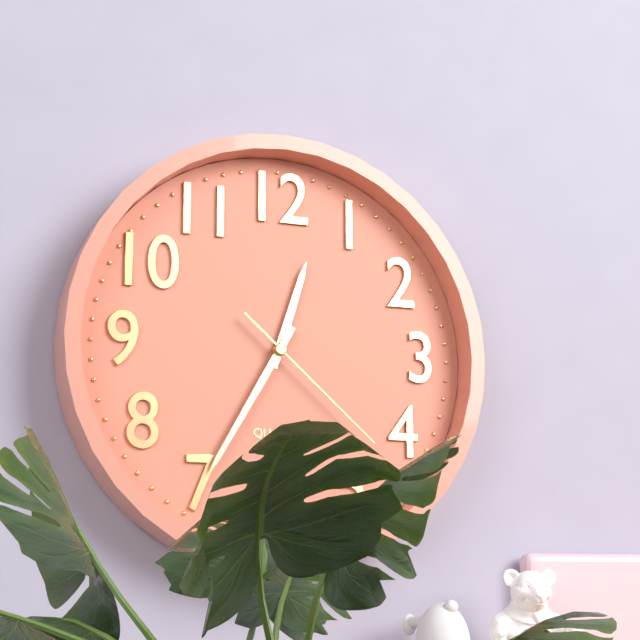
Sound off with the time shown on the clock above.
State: 12:35:22
